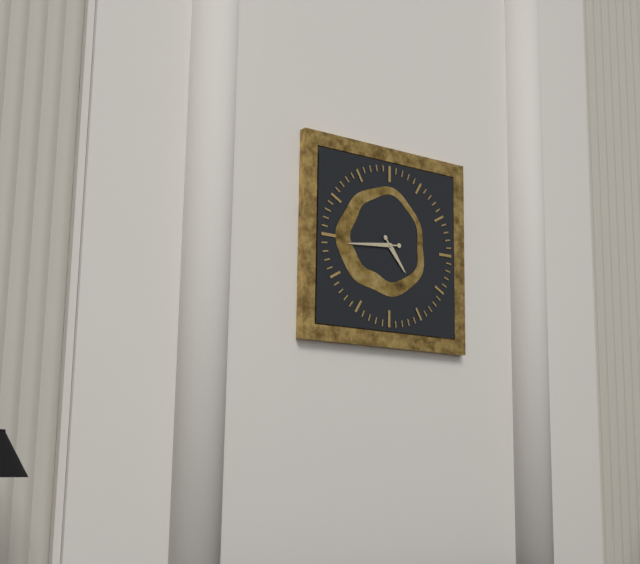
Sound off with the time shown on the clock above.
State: 4:44
